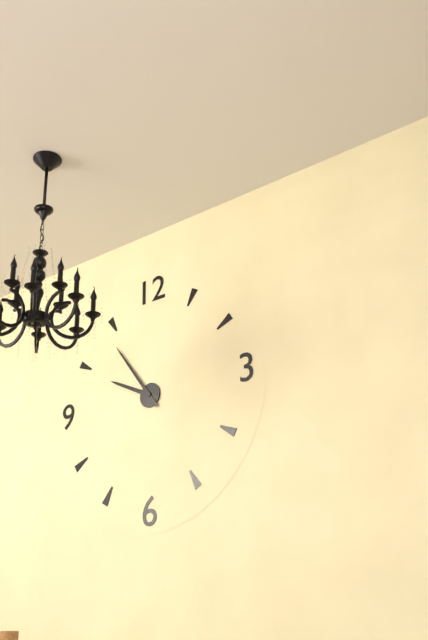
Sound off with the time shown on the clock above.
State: 9:54
